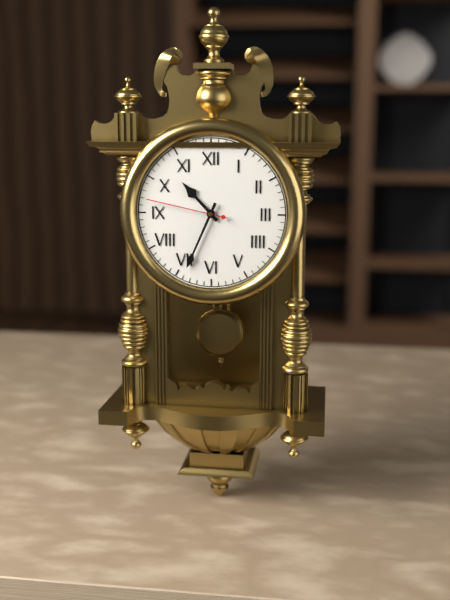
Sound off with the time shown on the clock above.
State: 10:34:47
